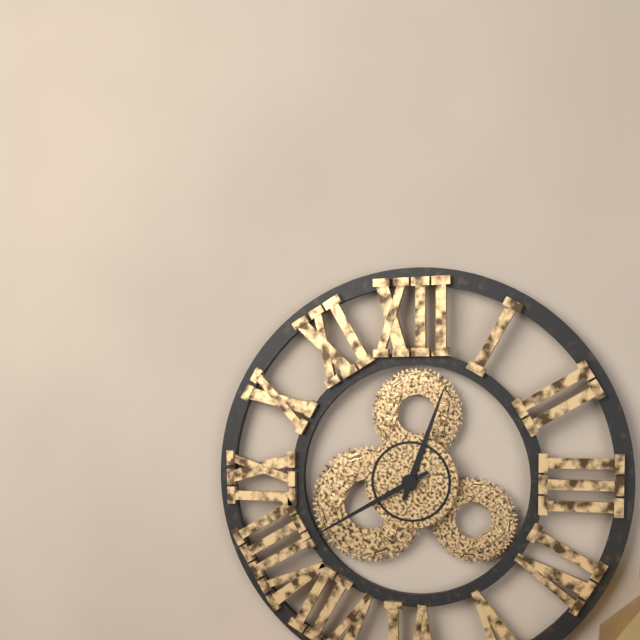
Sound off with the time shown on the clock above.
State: 12:40
